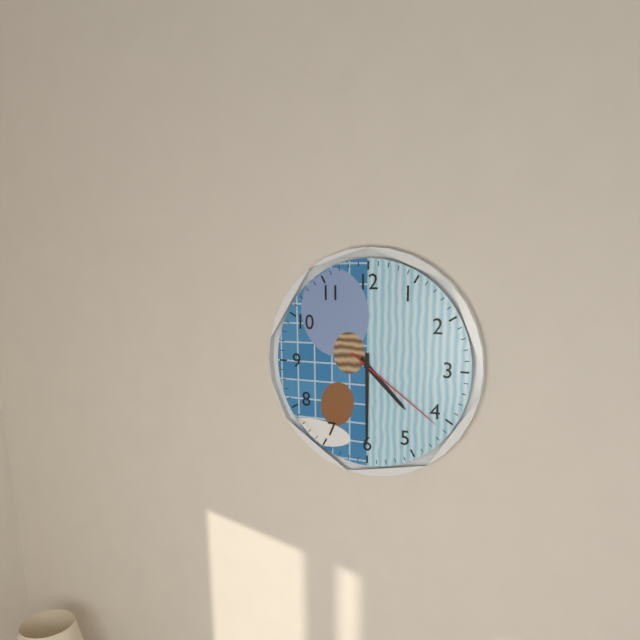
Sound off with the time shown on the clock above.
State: 4:30:21
